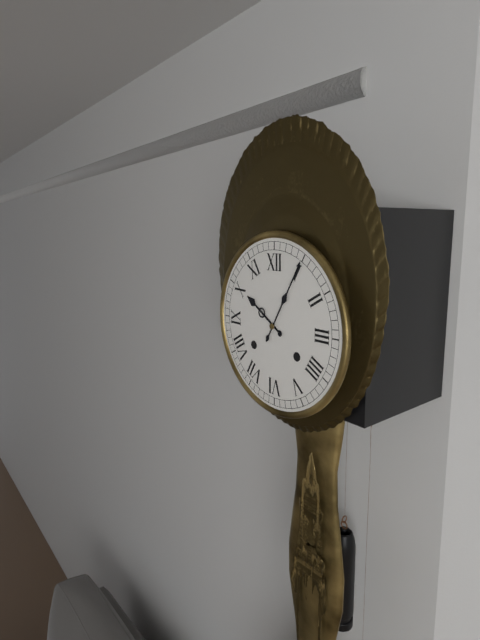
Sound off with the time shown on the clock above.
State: 10:05
